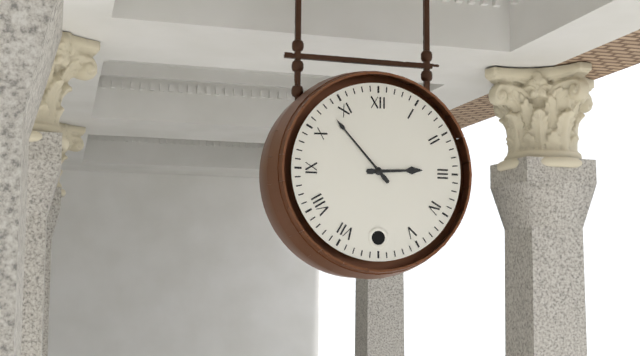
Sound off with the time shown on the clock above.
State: 2:53
